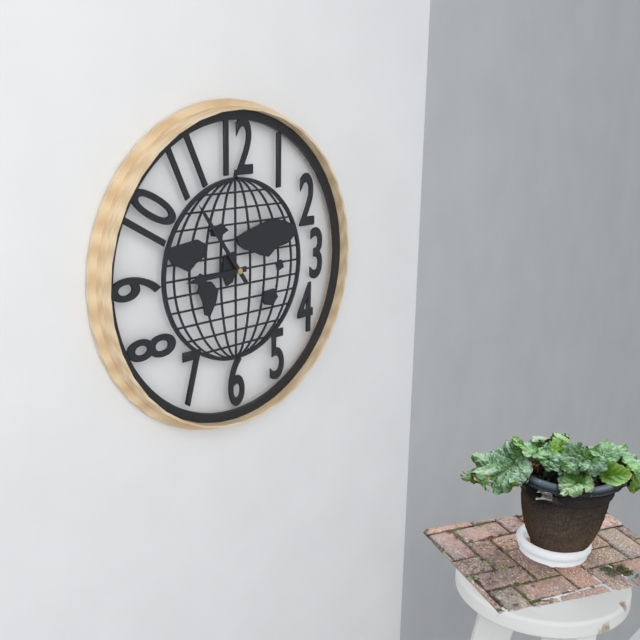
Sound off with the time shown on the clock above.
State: 8:54
